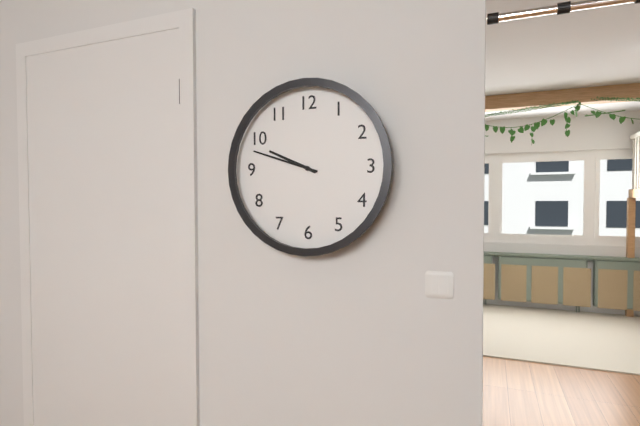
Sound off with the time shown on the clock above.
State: 9:48
